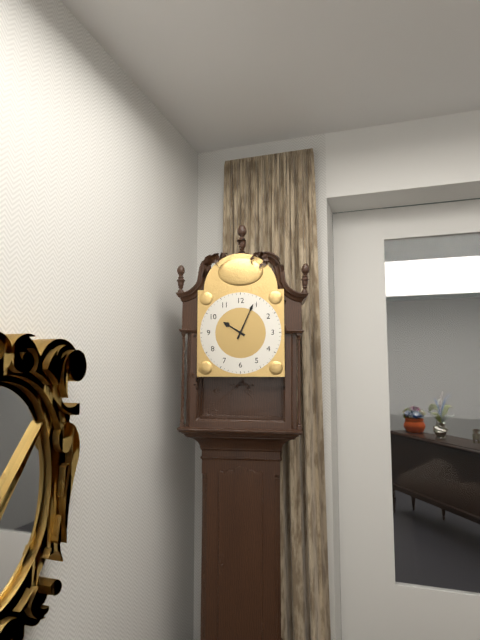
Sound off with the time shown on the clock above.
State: 10:04
